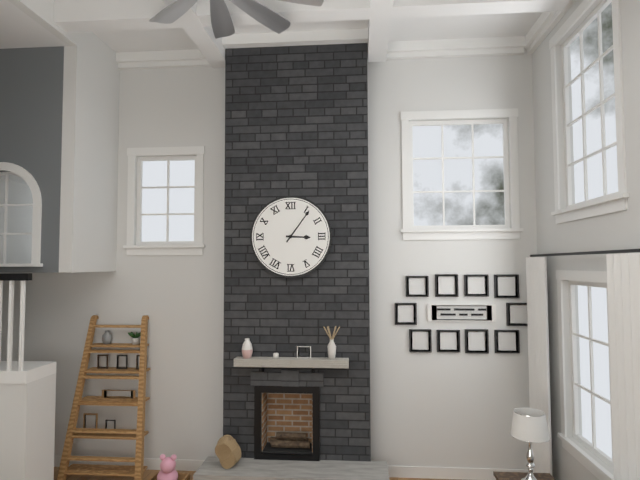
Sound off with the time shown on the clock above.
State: 3:06
